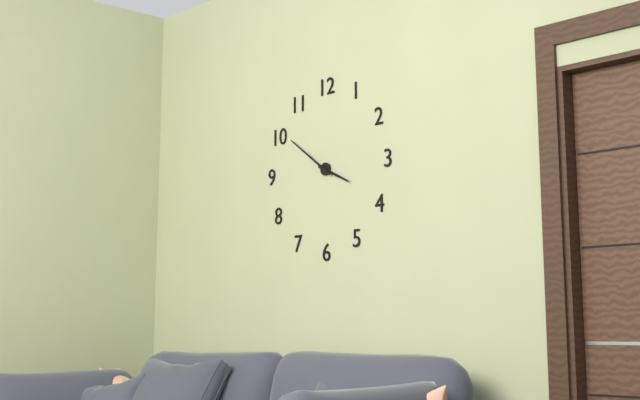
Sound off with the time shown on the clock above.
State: 3:51
